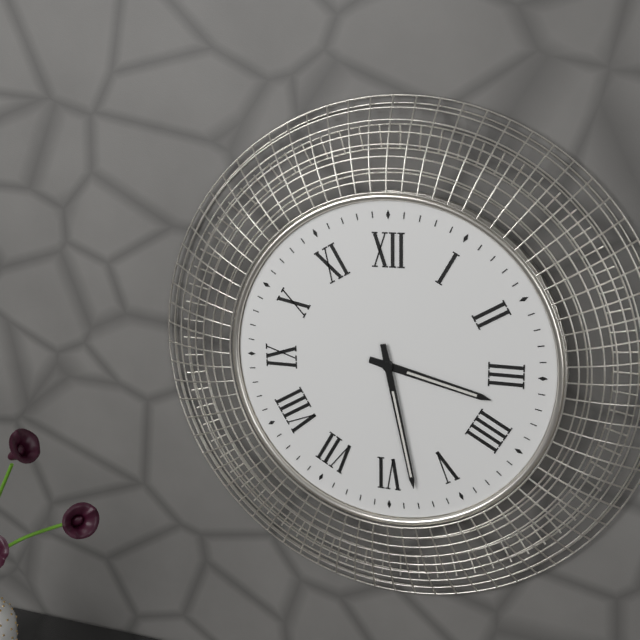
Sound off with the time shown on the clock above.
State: 3:28
